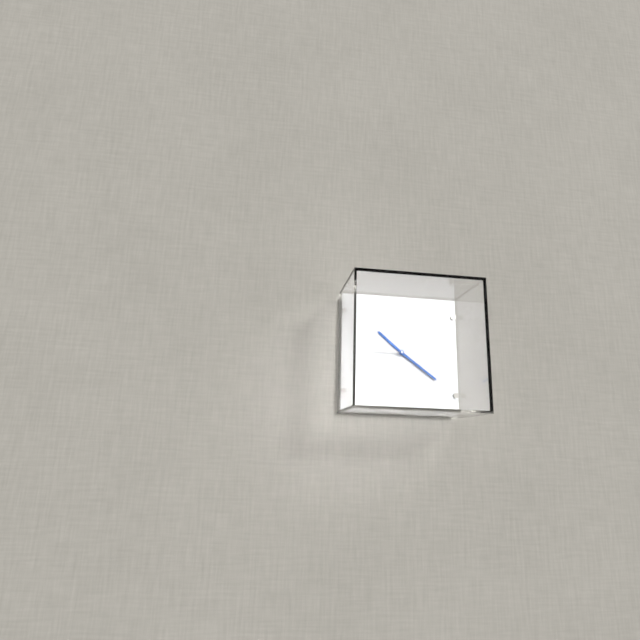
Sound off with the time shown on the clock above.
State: 10:21:45
